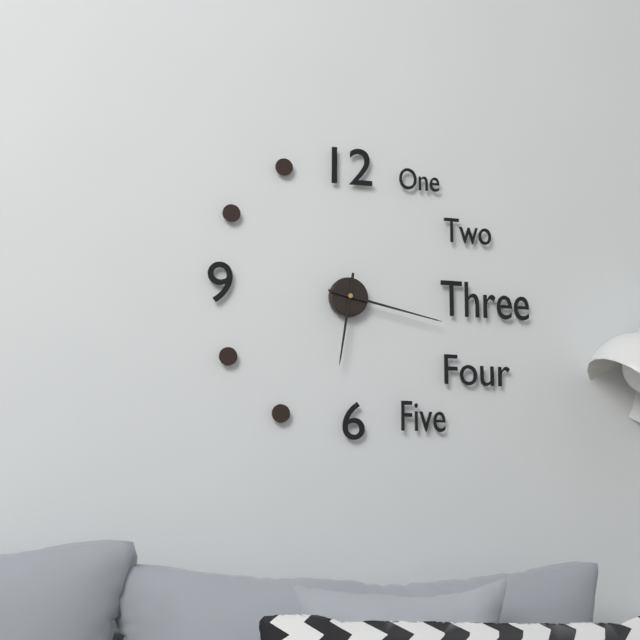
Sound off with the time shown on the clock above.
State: 6:17
